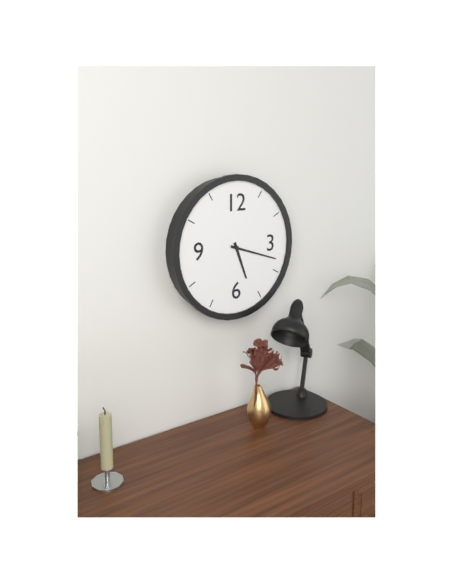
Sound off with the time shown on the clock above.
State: 5:18
